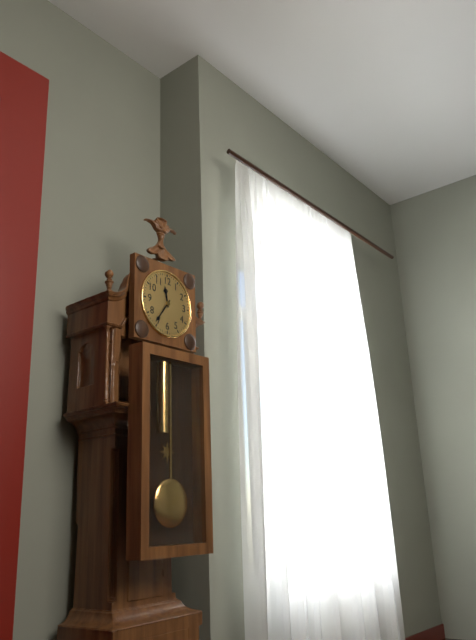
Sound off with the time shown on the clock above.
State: 11:36
